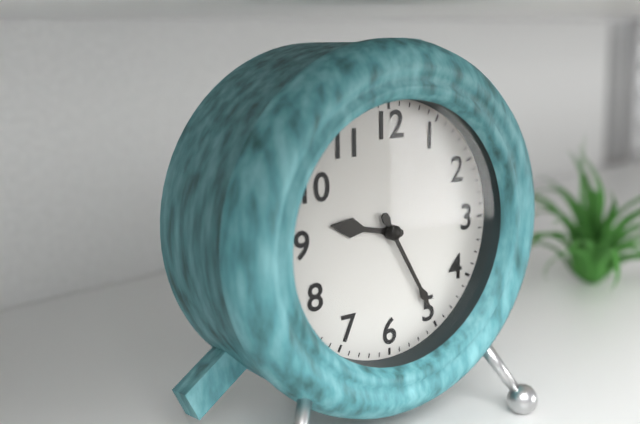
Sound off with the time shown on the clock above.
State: 9:25
